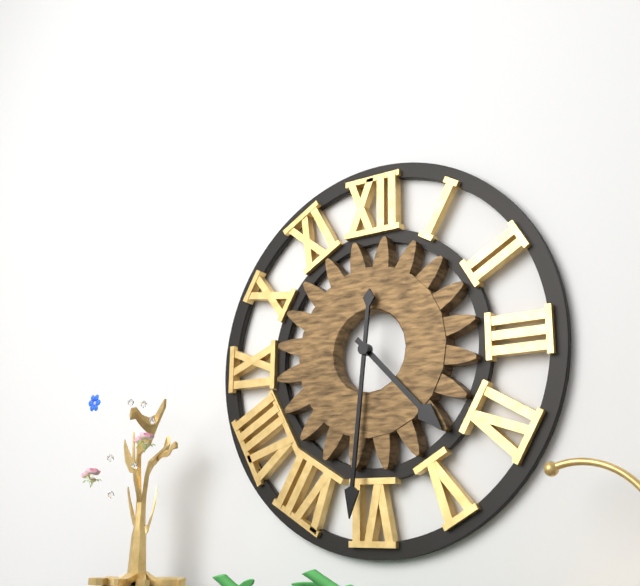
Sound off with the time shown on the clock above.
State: 4:31
